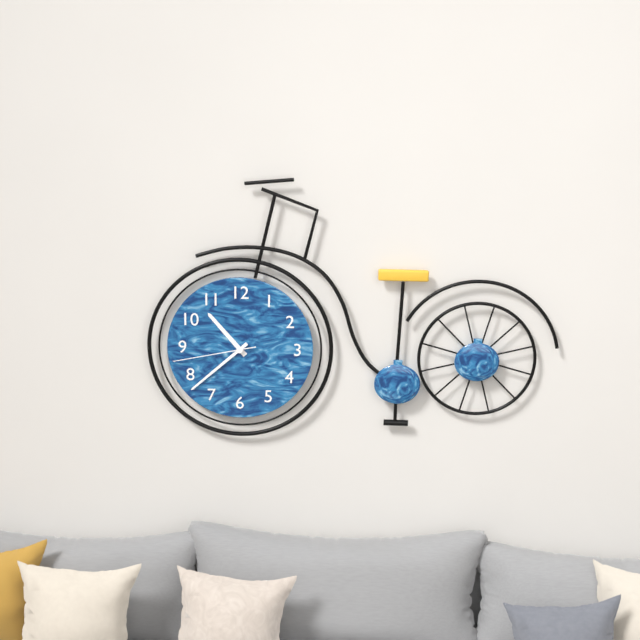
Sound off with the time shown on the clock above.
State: 10:38:43
